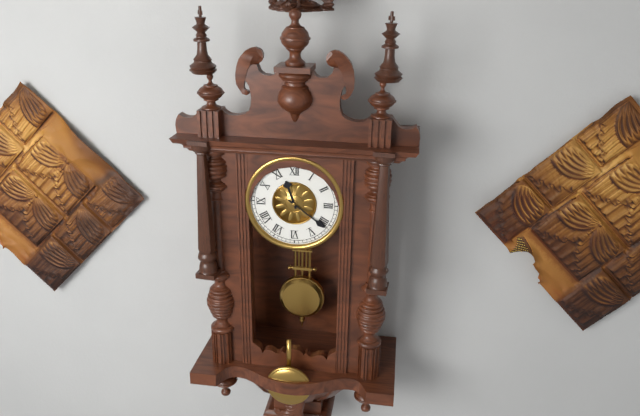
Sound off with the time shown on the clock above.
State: 11:21
